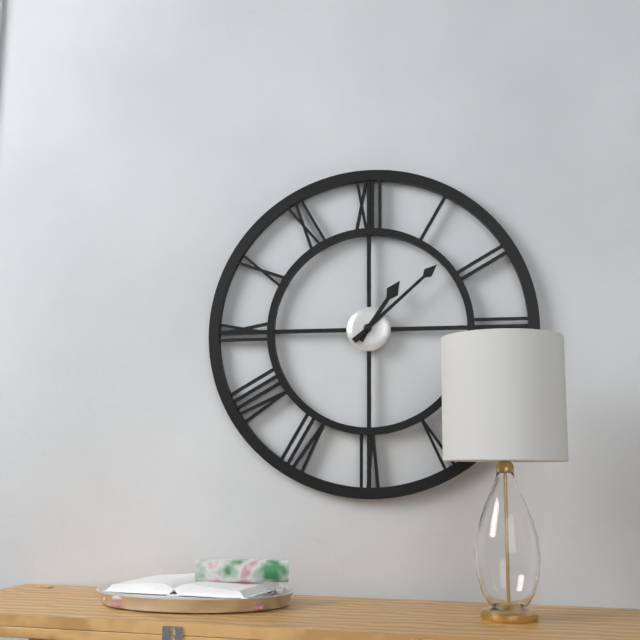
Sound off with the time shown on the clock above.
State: 1:08
